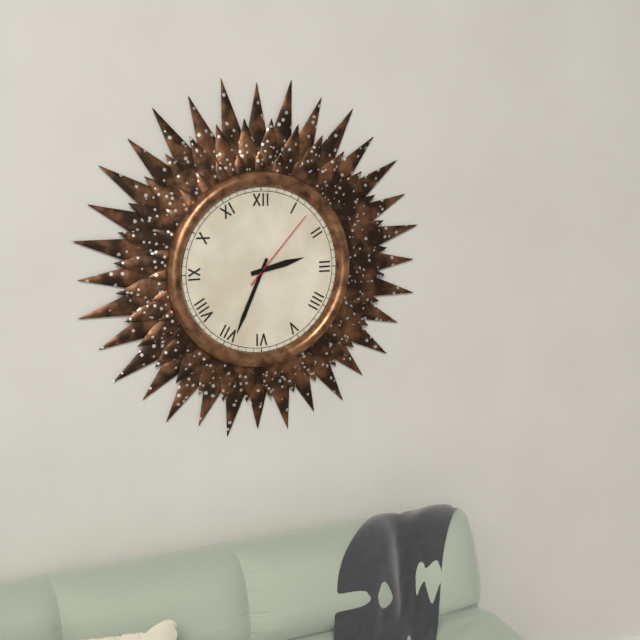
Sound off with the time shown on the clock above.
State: 2:34:07
